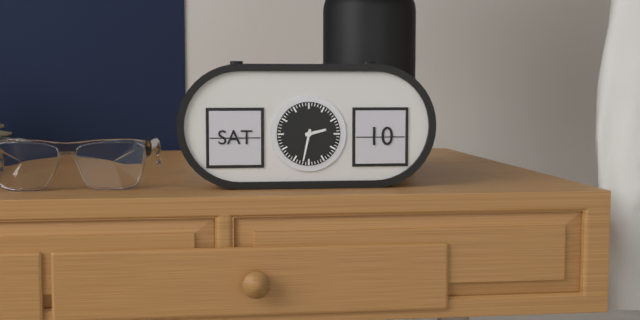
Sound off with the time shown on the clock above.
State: 2:32
